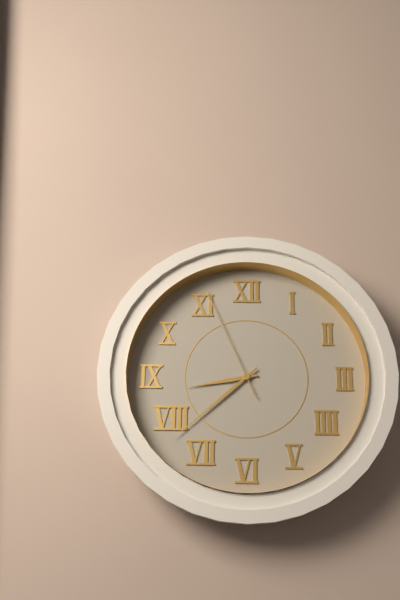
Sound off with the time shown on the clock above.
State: 8:38:56
